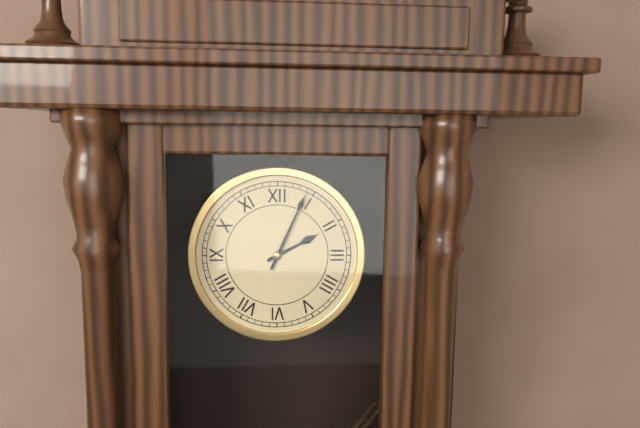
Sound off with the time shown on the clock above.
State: 2:04
